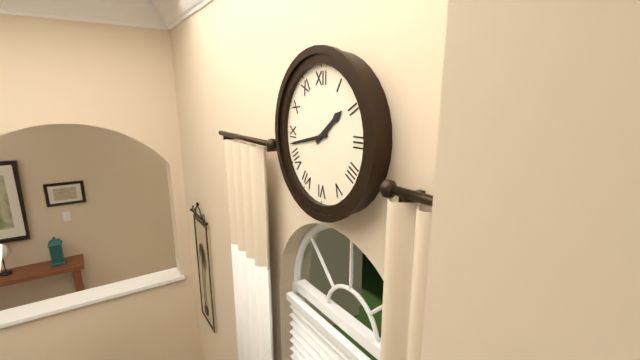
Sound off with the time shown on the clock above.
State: 1:43
